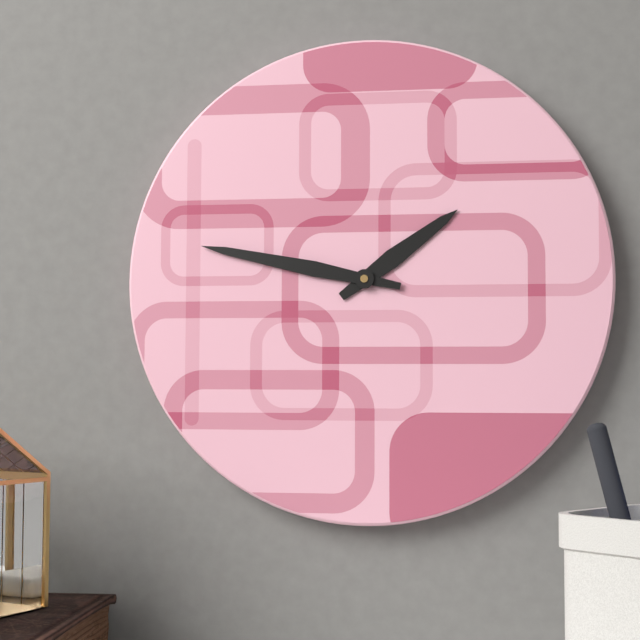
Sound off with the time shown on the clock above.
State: 1:47
